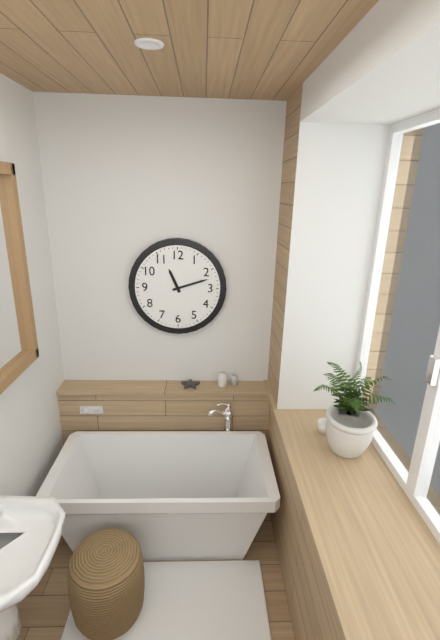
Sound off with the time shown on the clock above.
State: 11:12
